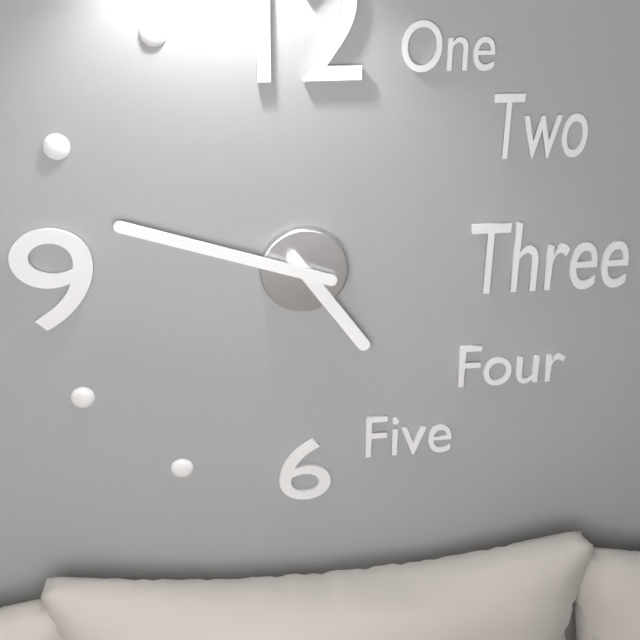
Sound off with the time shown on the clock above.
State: 4:48
